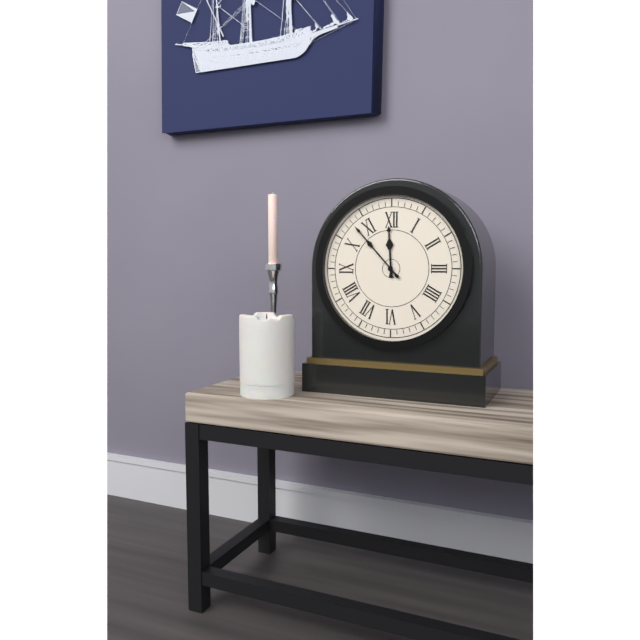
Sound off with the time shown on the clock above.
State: 11:53
